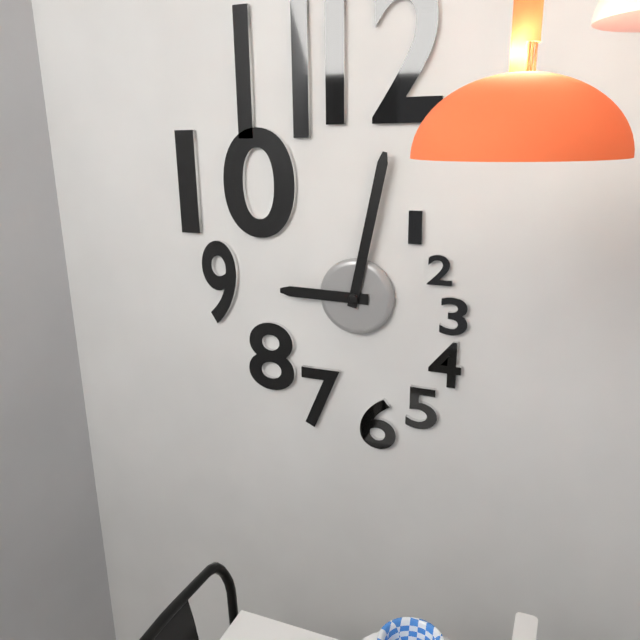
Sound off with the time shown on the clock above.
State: 9:02
